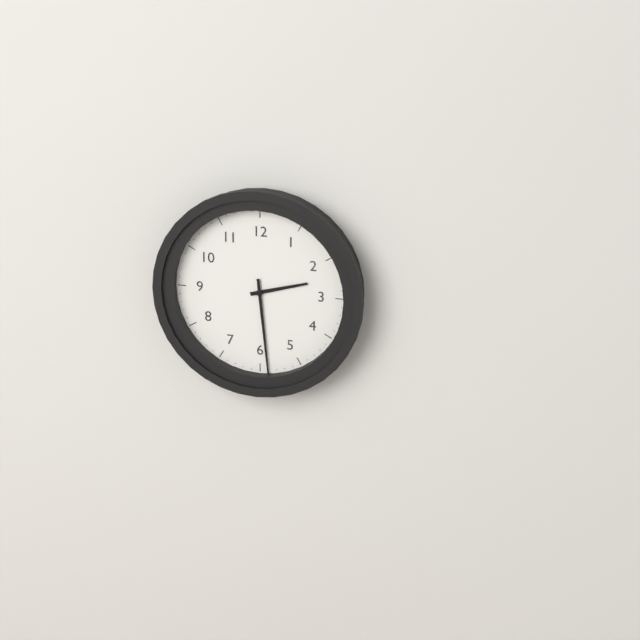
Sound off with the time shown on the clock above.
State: 2:29
